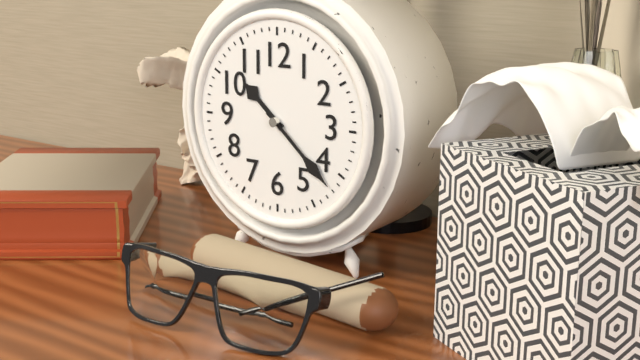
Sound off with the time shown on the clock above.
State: 10:22
